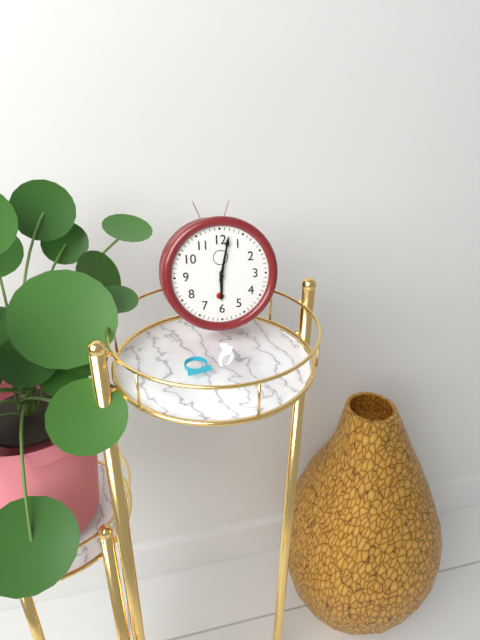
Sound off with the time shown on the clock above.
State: 6:02
